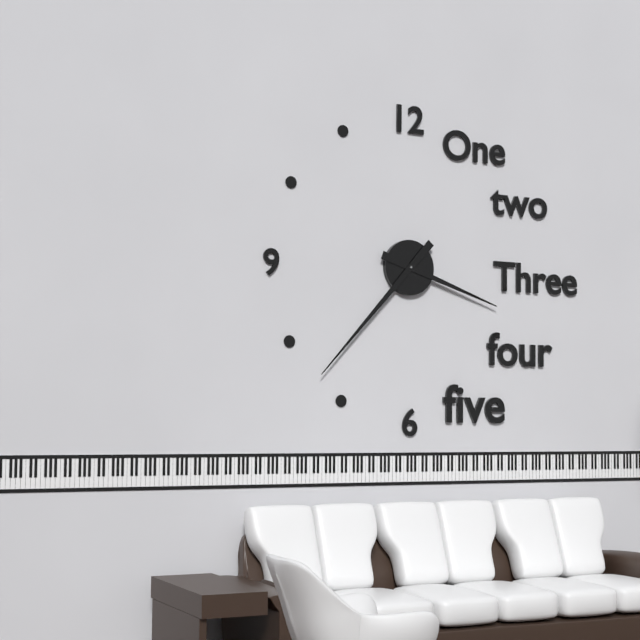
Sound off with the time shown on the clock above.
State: 3:37
